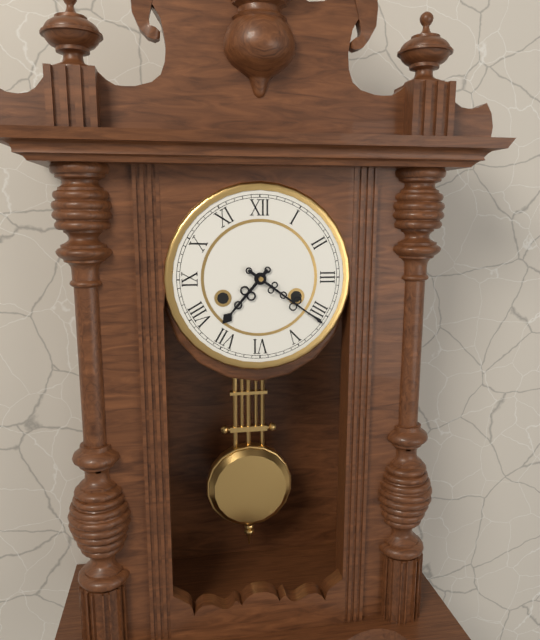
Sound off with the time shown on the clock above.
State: 7:21
